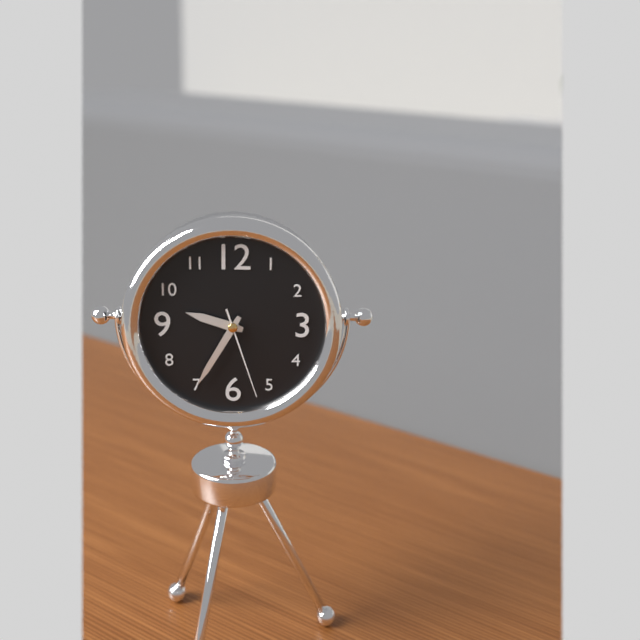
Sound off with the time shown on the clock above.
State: 9:35:27
